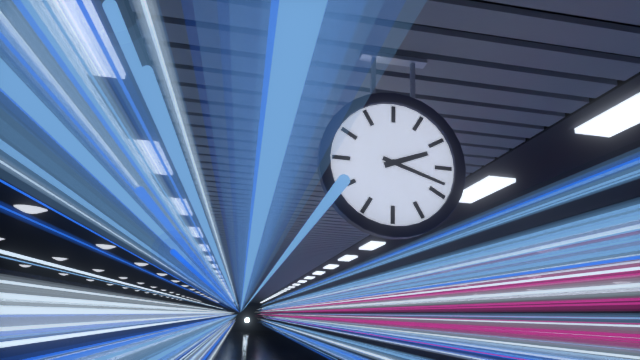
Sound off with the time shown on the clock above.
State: 2:18
